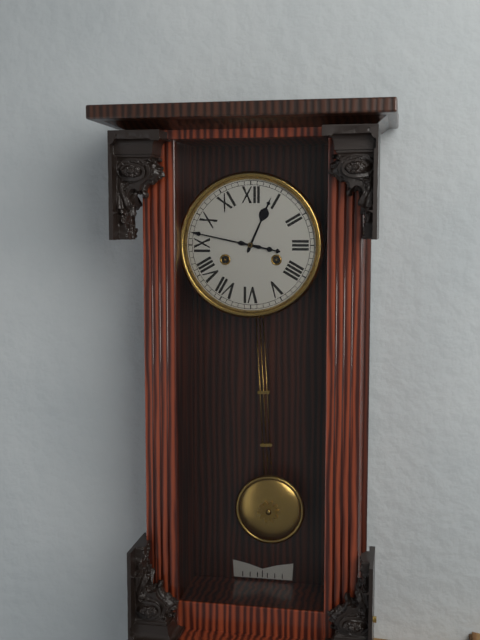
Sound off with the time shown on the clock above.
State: 12:47
